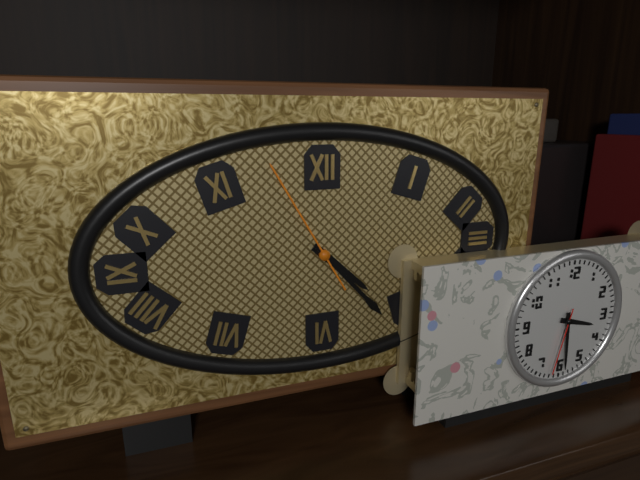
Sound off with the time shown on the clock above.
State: 4:23:55
